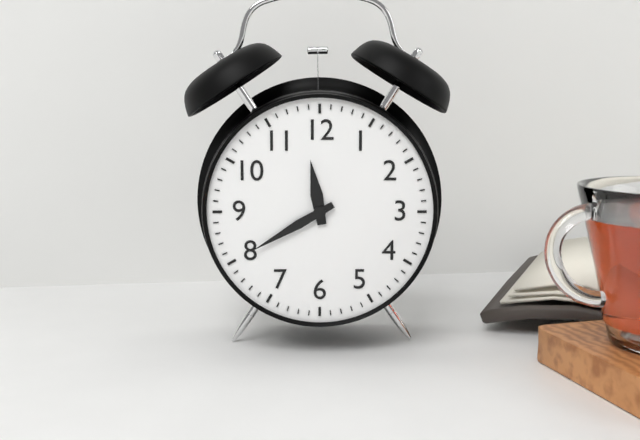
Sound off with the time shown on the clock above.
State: 11:40
